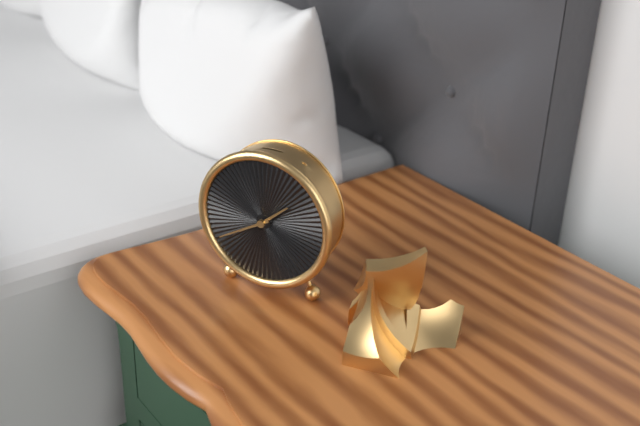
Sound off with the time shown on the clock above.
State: 1:40
